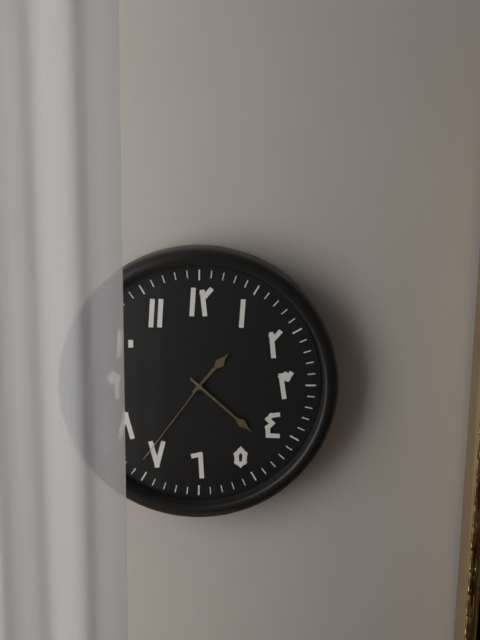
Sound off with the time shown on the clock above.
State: 1:22:36
